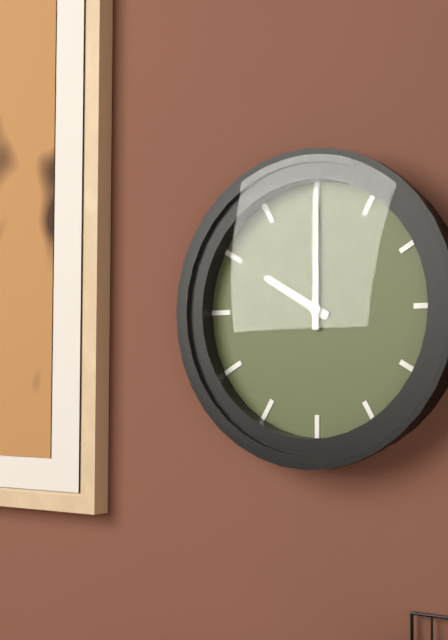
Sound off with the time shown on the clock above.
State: 10:00
